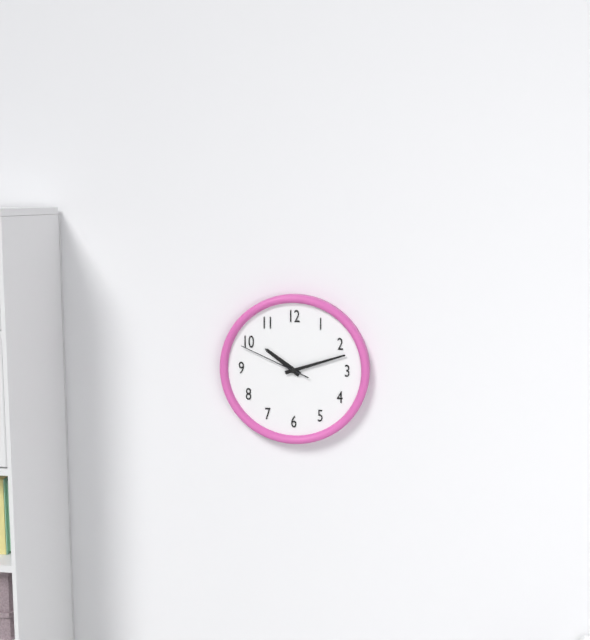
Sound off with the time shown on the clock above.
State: 10:12:49
